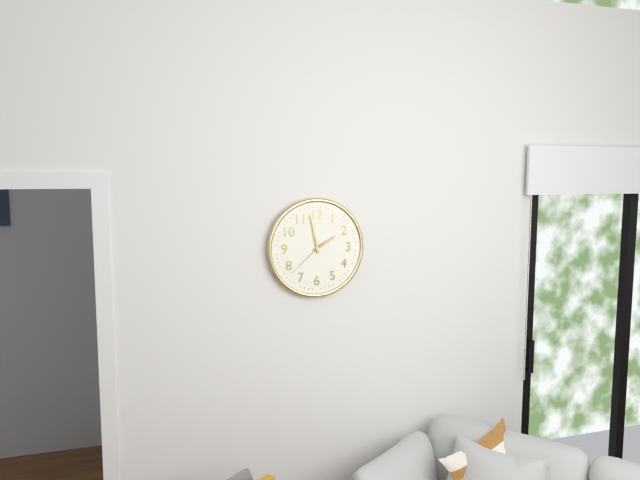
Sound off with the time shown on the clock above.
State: 1:58
